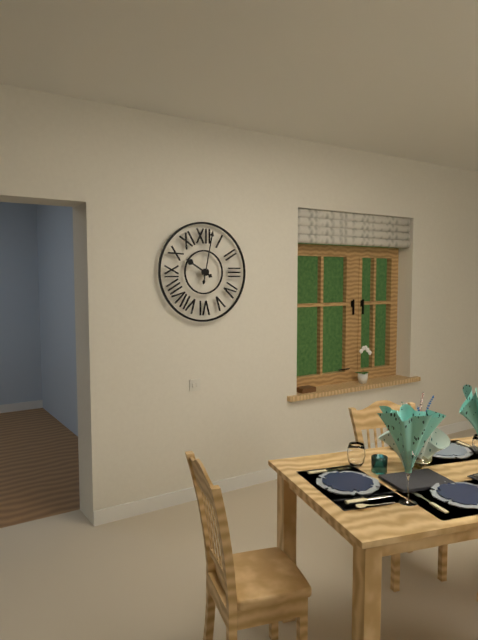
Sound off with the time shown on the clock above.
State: 10:02
